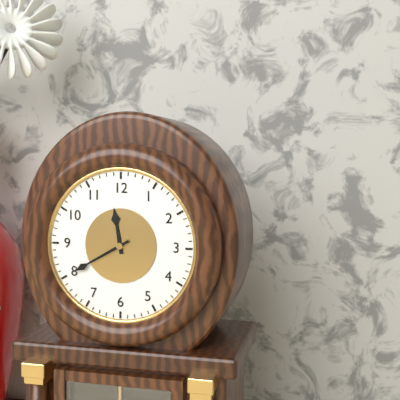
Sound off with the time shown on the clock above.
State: 11:40
